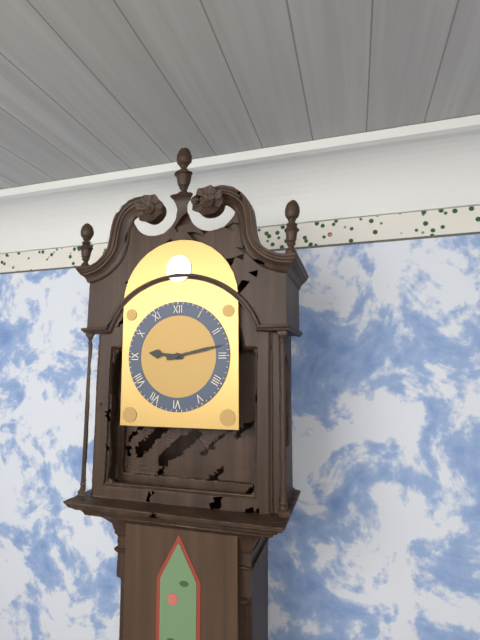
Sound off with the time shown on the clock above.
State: 9:13
